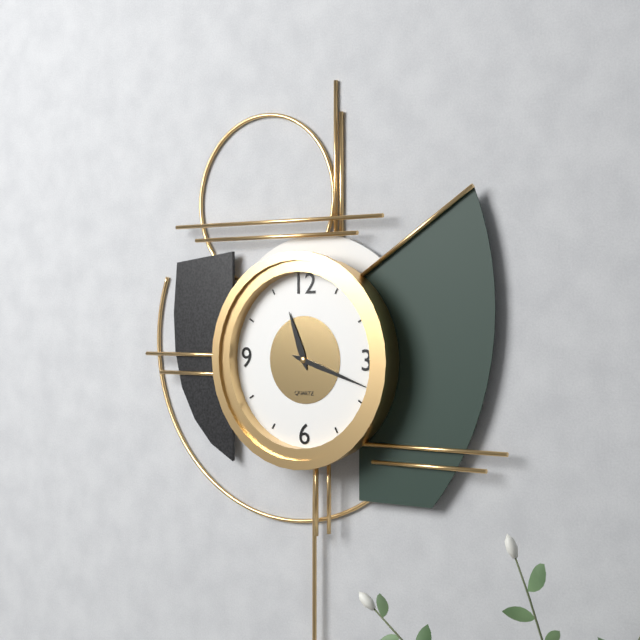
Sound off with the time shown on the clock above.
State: 11:18
